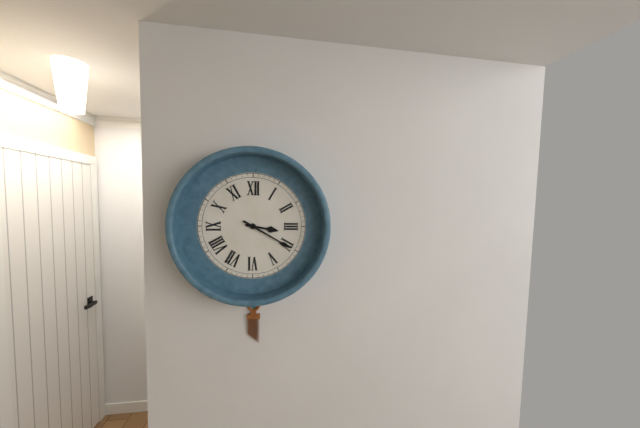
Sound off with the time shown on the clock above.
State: 3:20
